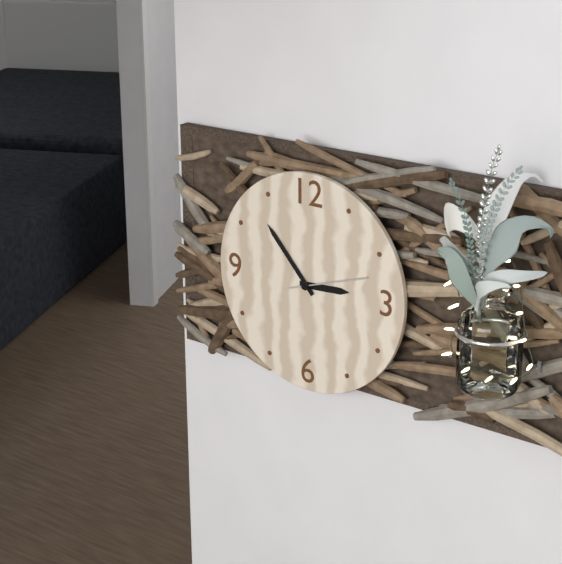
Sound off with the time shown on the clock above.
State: 2:53:12
